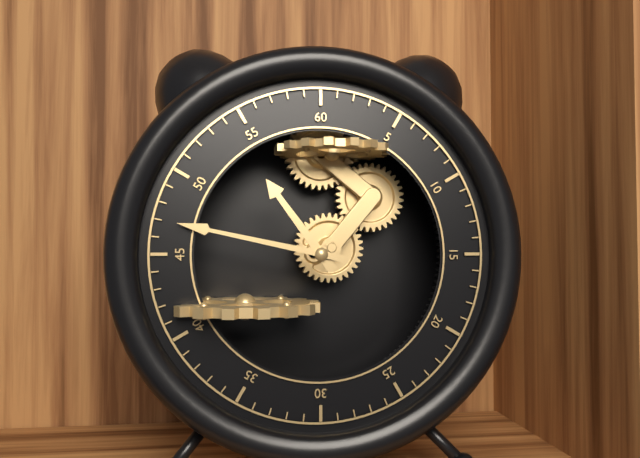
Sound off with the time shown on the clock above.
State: 10:47
